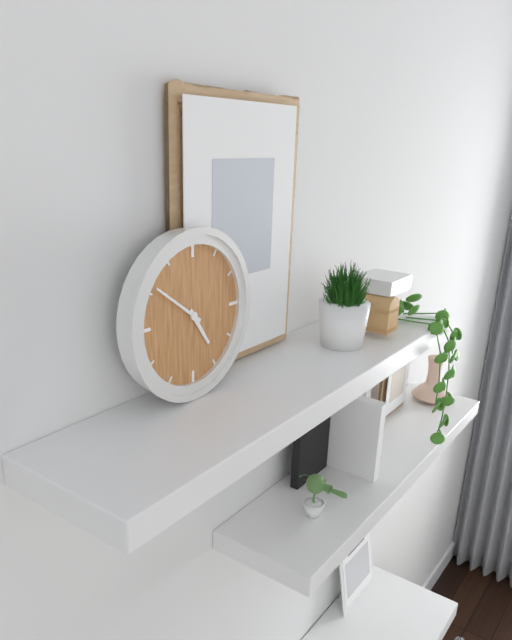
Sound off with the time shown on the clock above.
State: 4:51
